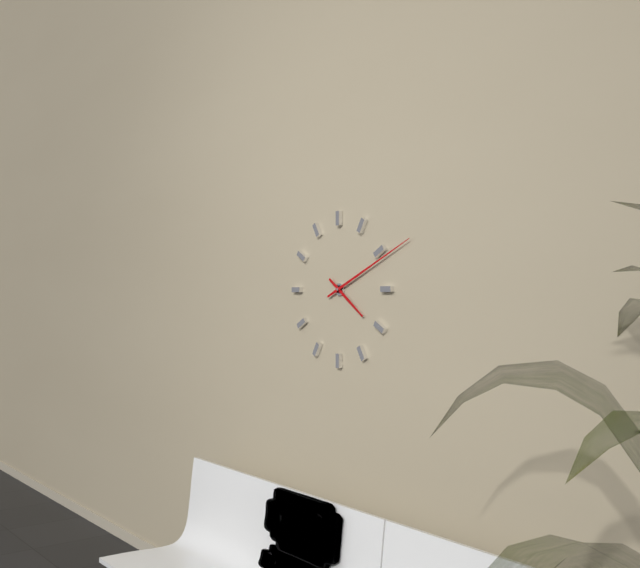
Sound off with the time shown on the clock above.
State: 4:11
